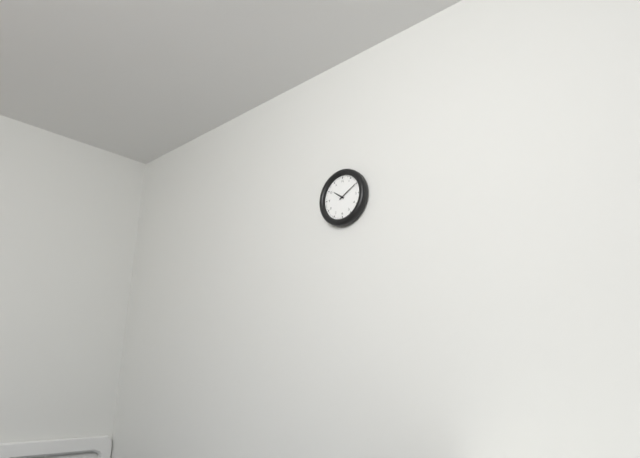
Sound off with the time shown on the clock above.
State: 10:10
